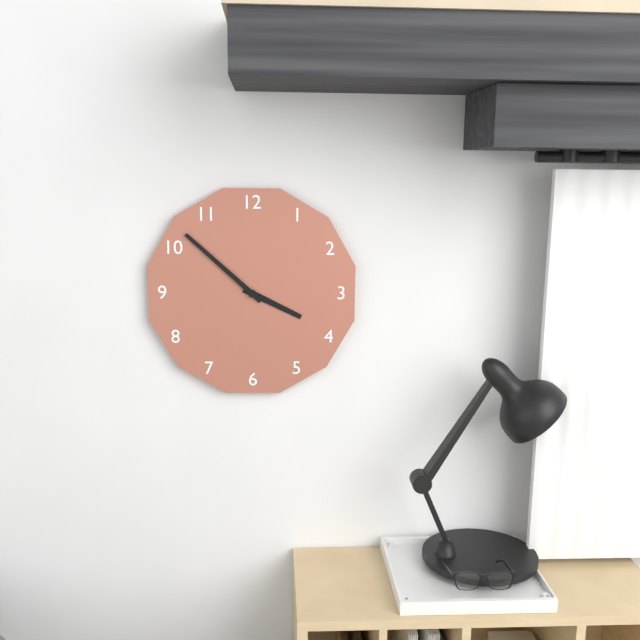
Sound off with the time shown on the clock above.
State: 3:52
